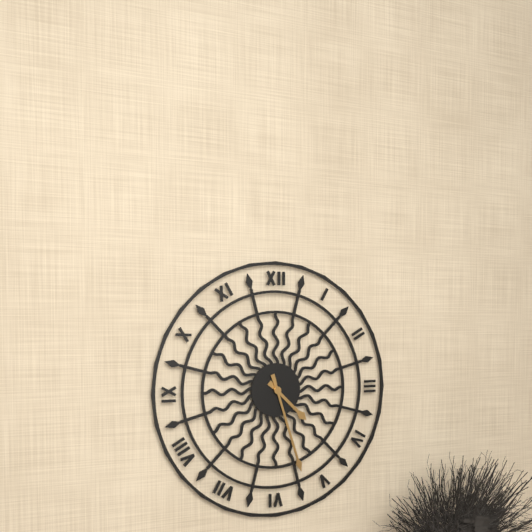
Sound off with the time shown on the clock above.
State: 4:27
